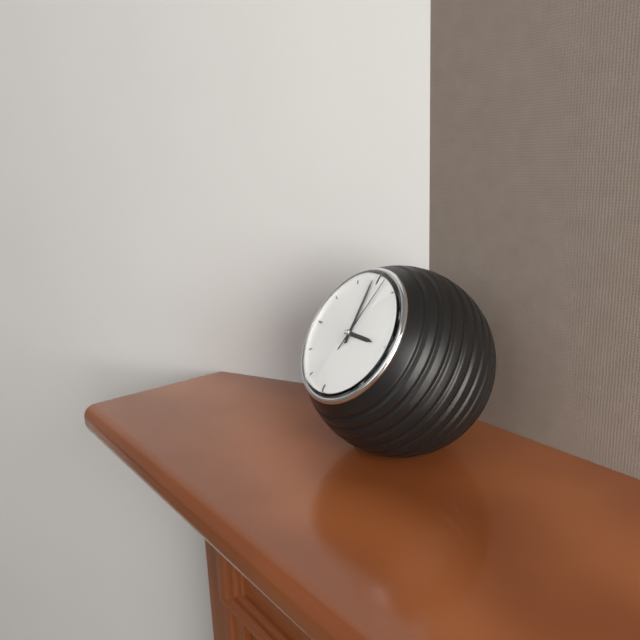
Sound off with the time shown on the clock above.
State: 2:59:02
